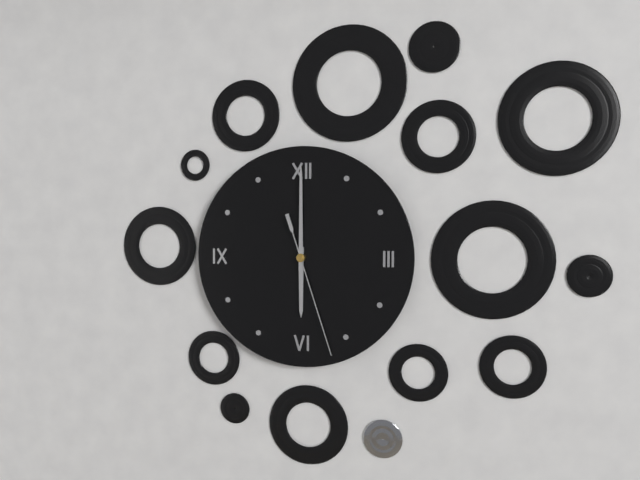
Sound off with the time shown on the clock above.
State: 6:00:27
